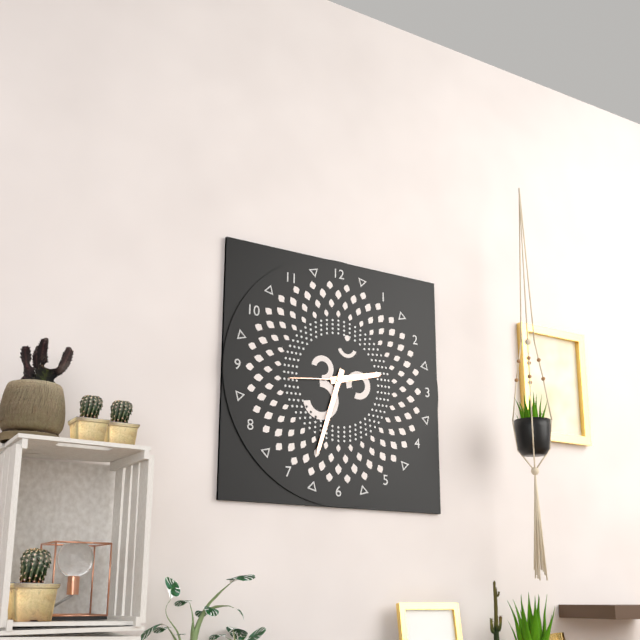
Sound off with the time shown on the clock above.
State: 2:33:44
